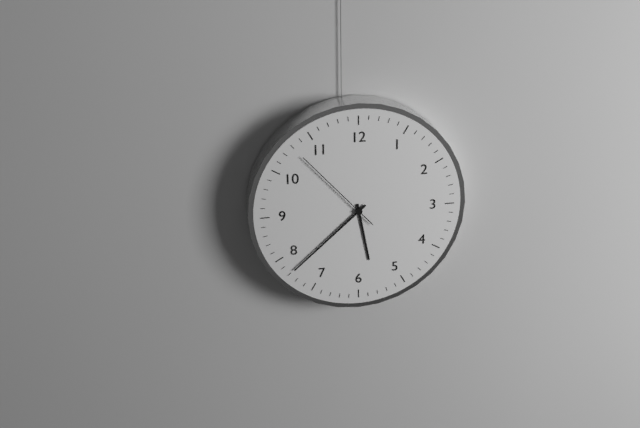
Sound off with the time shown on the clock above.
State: 5:38:53
